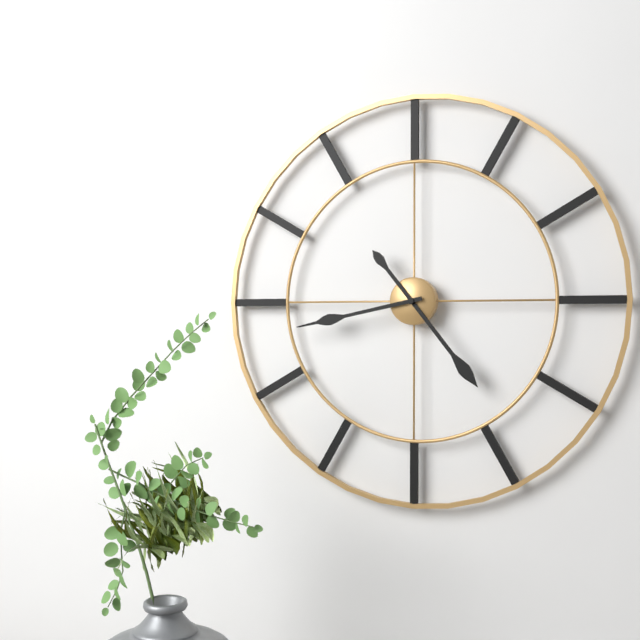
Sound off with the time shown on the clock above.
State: 4:43
